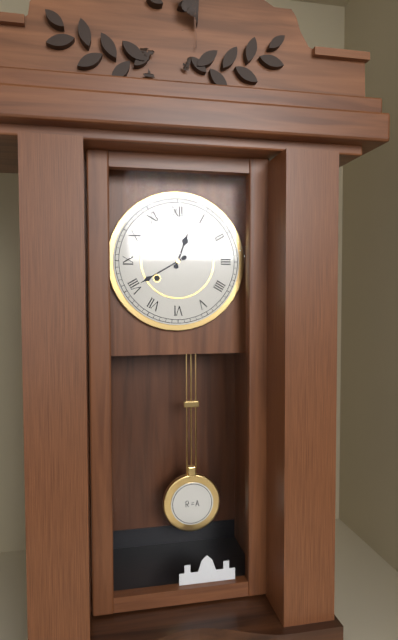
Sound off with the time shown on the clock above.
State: 12:40
